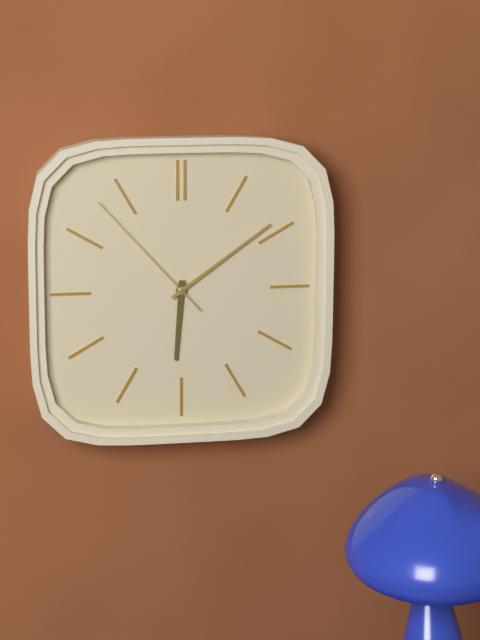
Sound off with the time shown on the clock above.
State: 6:09:53
